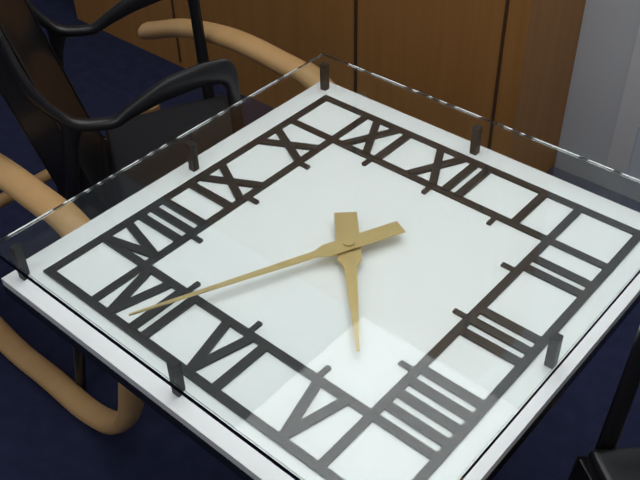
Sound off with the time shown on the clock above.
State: 4:34
